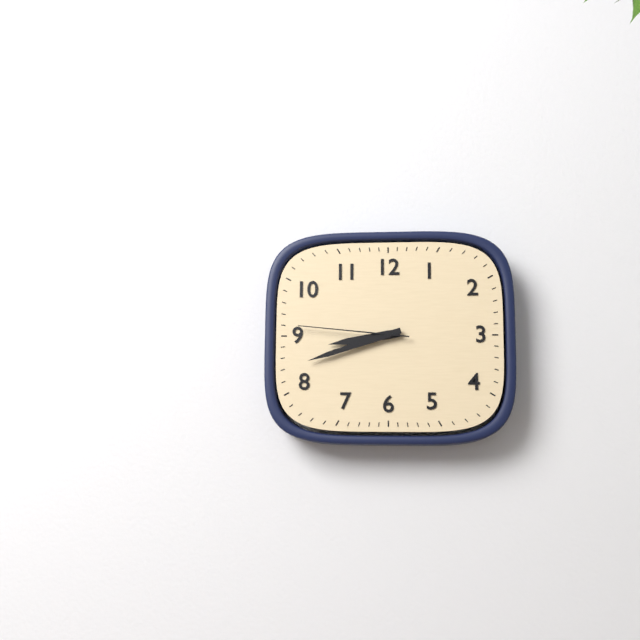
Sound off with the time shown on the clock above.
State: 8:42:46
